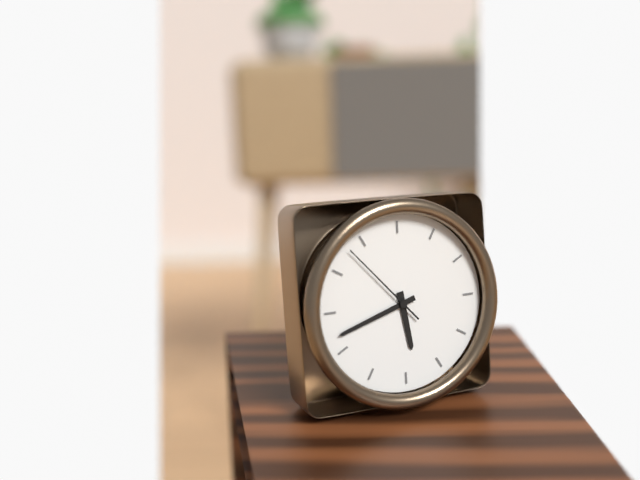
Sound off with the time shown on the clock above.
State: 5:42:53
